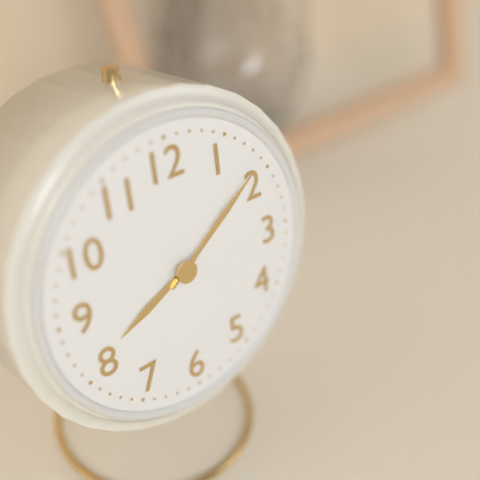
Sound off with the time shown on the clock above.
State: 8:09
